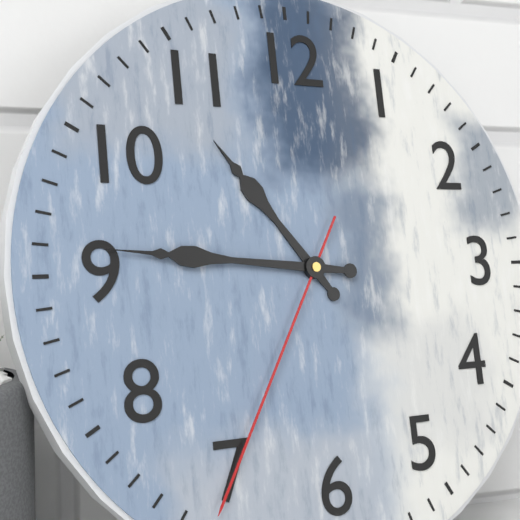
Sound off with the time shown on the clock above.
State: 10:46:35
